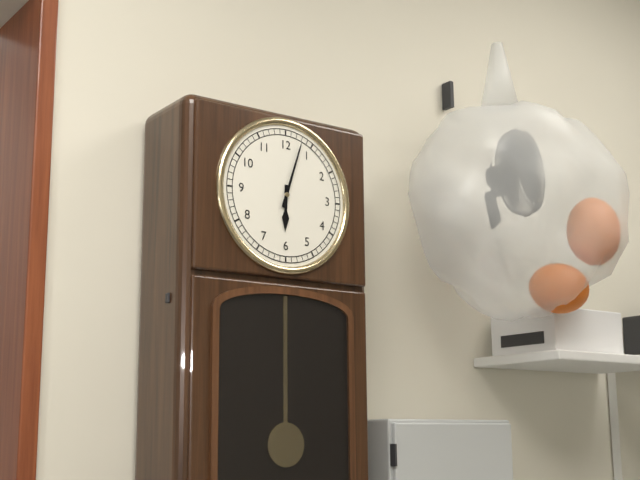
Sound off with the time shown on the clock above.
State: 6:03
